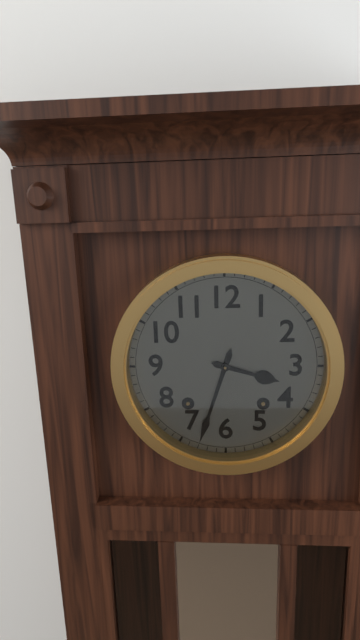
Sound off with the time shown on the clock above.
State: 3:33
